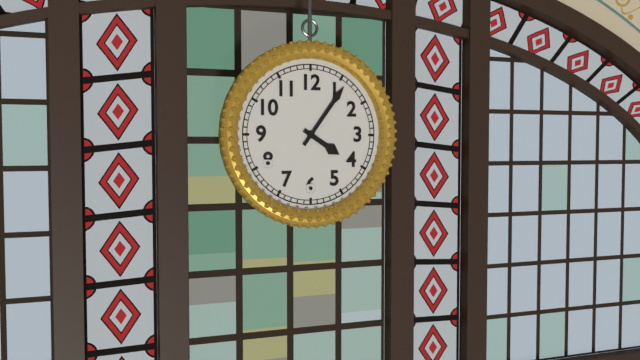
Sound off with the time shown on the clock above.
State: 4:06
